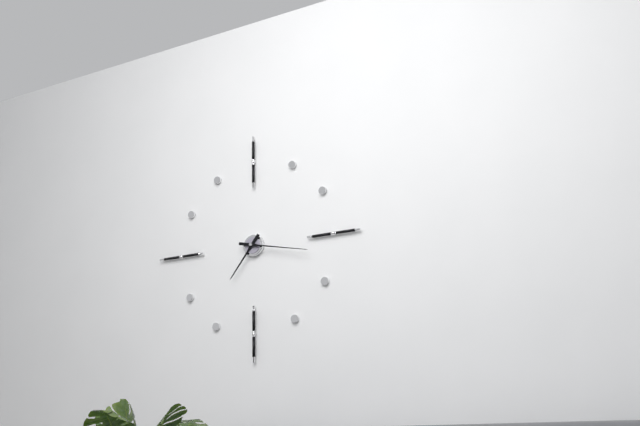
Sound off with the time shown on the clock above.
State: 7:17
